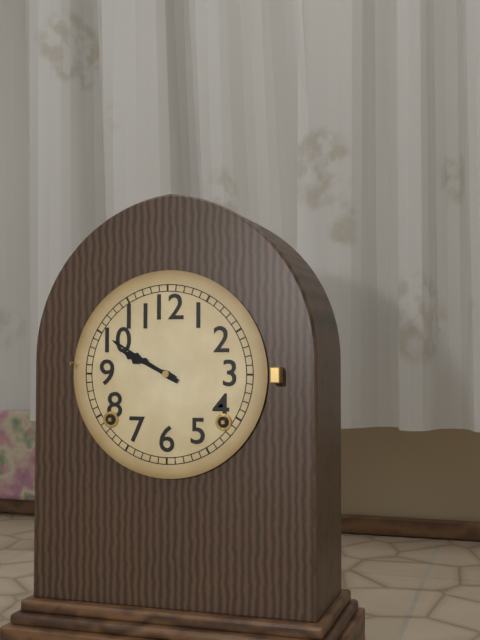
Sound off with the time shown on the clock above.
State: 9:50
